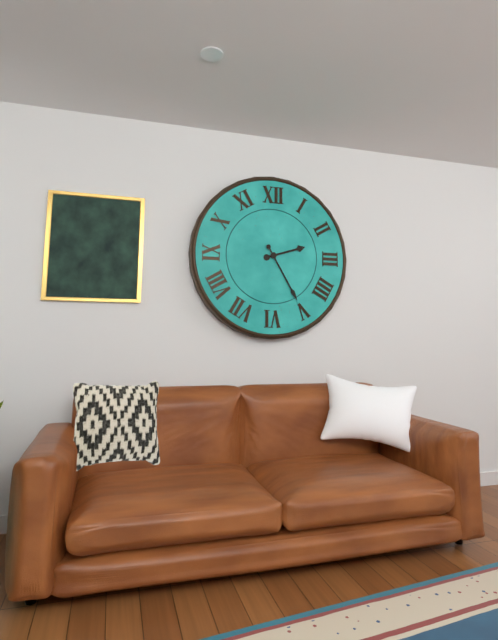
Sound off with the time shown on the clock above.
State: 2:25
